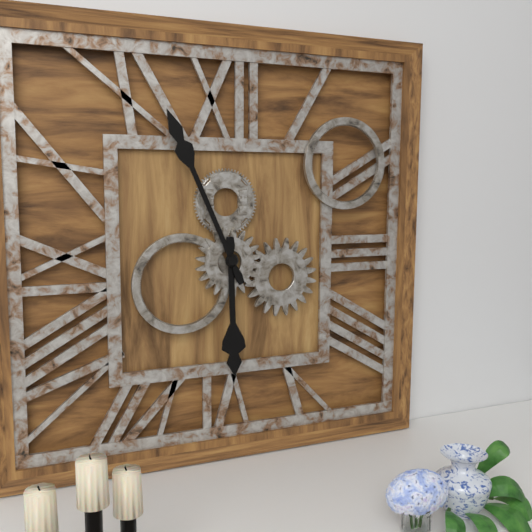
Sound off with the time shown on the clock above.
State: 5:56
